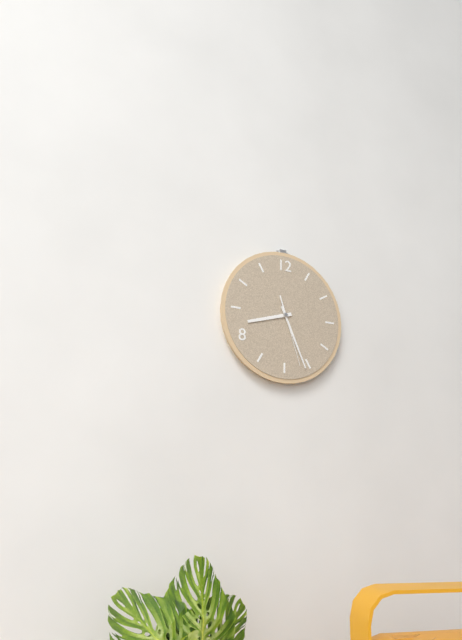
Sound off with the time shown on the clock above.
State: 8:26:27
